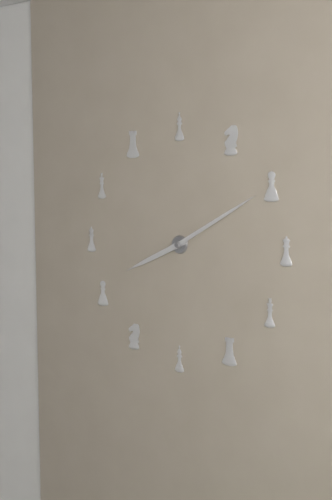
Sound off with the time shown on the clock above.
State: 8:10
